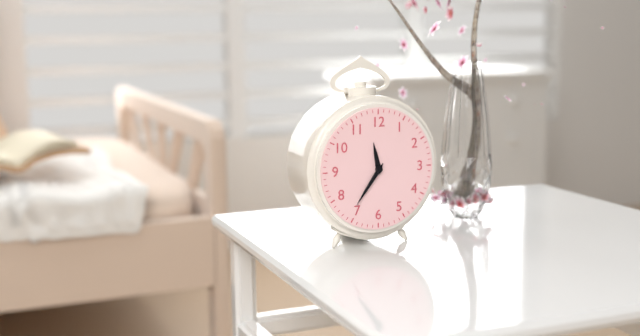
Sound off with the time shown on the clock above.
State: 11:36
